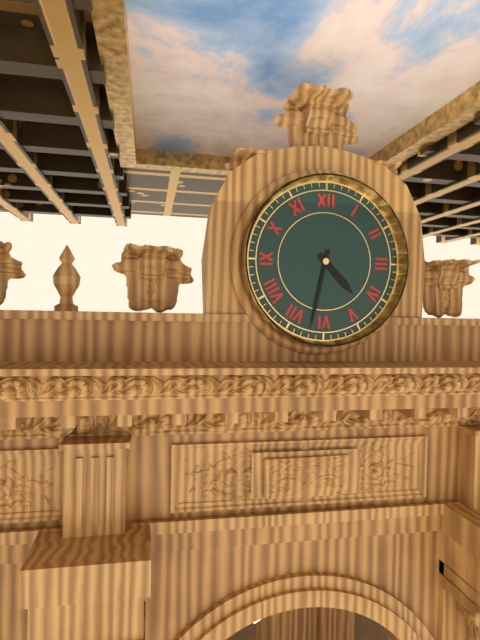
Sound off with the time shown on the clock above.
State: 4:32
